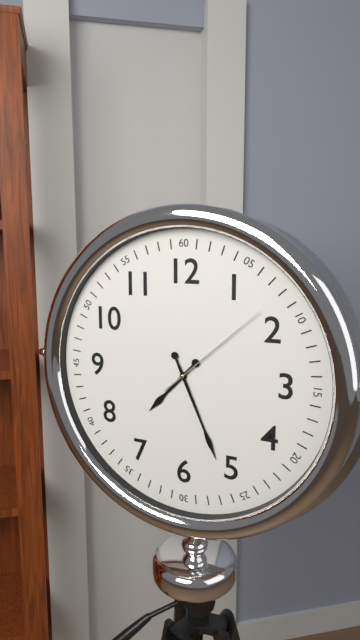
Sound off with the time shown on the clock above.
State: 7:26:08
